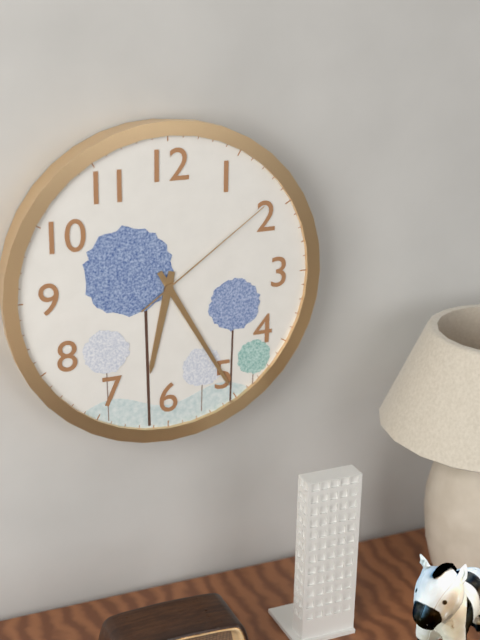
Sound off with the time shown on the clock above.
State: 6:25:09
